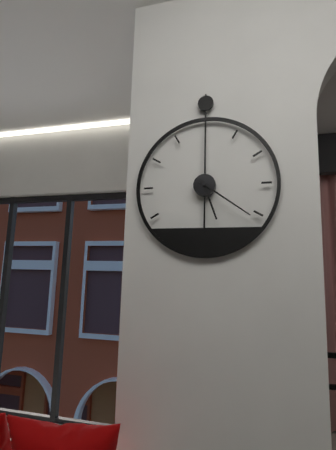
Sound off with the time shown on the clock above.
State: 5:21
